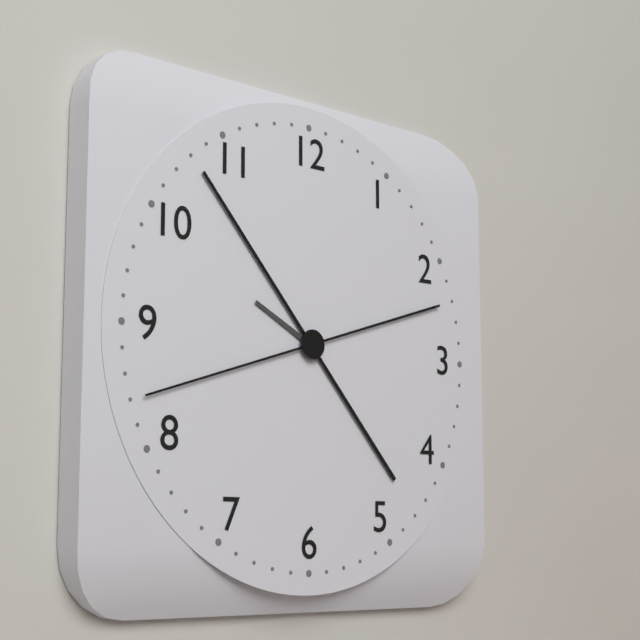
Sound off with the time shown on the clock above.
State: 9:53:42
